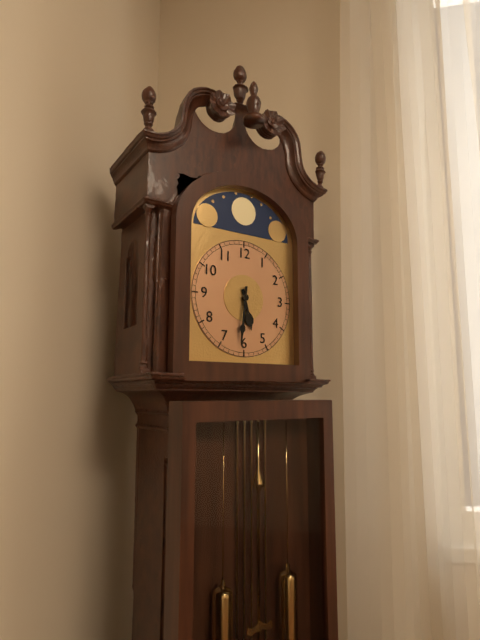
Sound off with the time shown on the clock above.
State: 5:31
